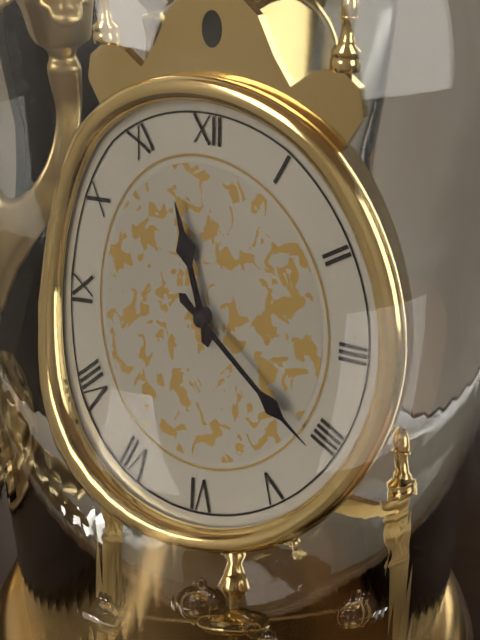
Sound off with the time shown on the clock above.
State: 11:21
